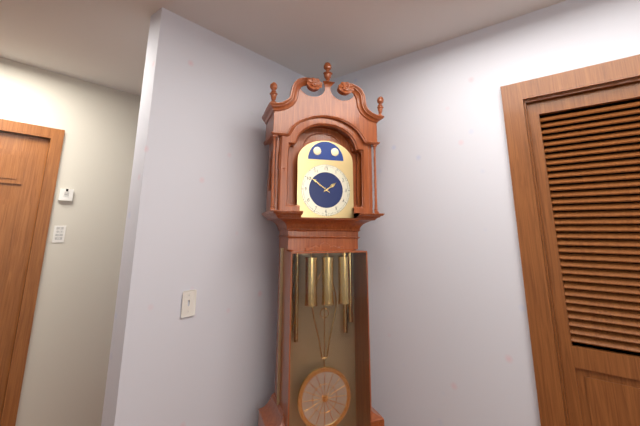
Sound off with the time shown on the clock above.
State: 1:51
